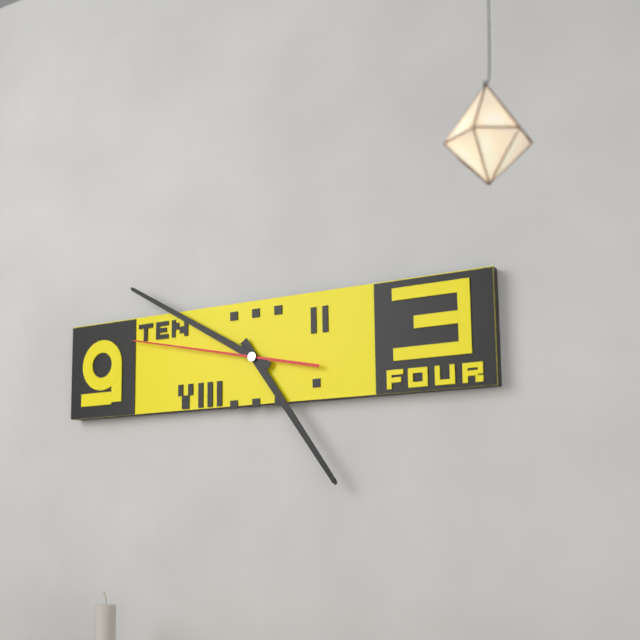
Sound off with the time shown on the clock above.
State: 4:50:47
